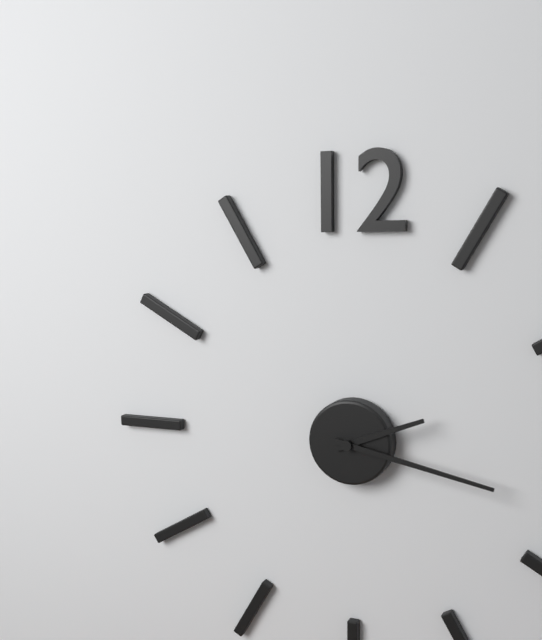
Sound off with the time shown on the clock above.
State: 2:17
